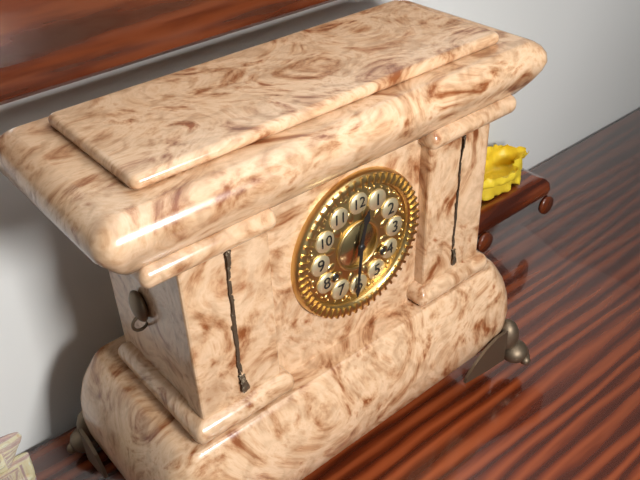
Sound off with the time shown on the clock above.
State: 12:31
